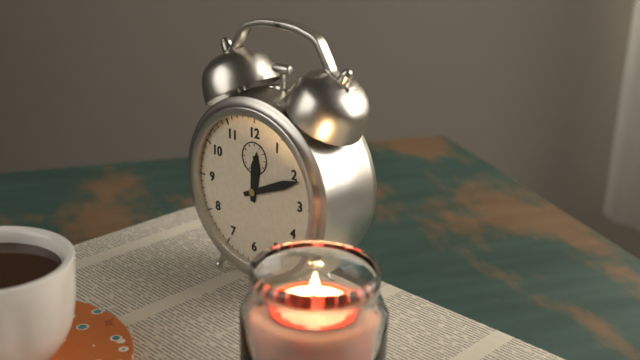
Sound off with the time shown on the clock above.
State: 12:11
